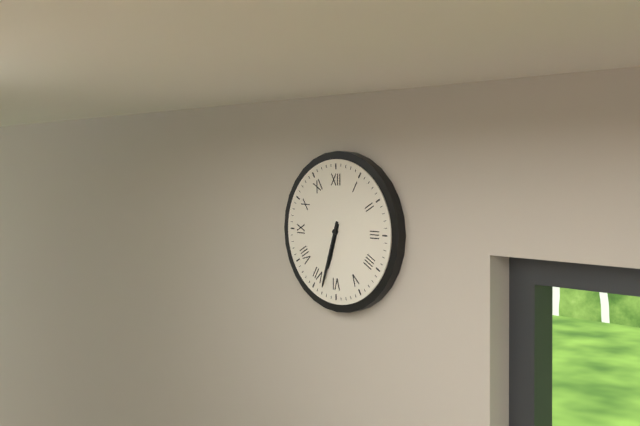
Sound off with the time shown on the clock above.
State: 6:33
